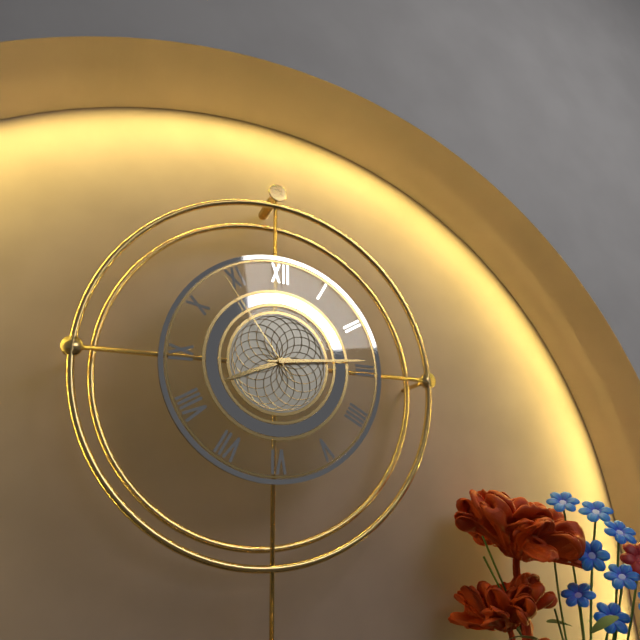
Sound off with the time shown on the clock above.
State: 8:14:54
